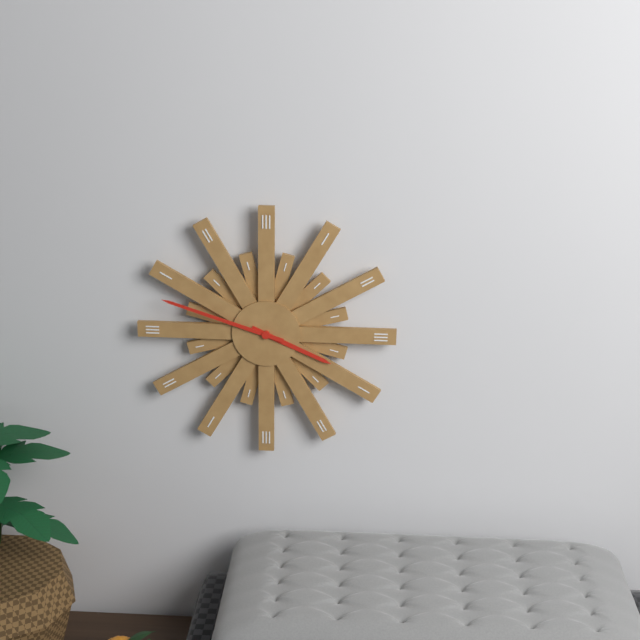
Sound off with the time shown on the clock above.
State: 3:48
